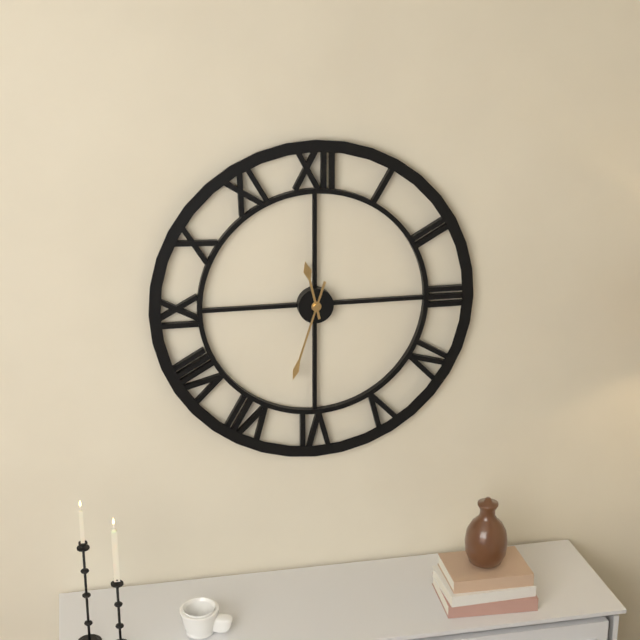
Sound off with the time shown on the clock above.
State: 11:33
